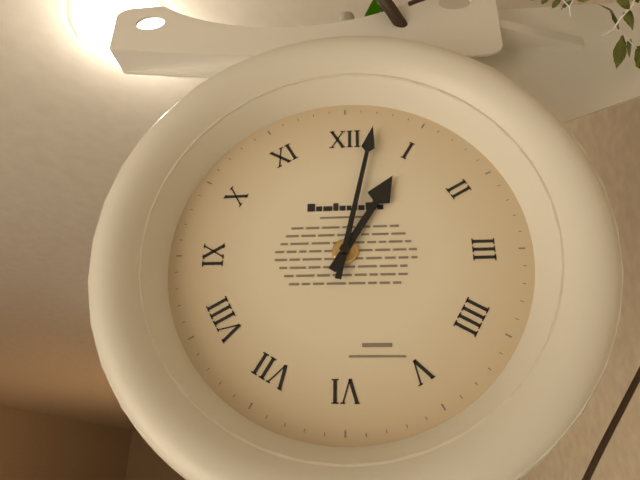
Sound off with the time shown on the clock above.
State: 1:02
